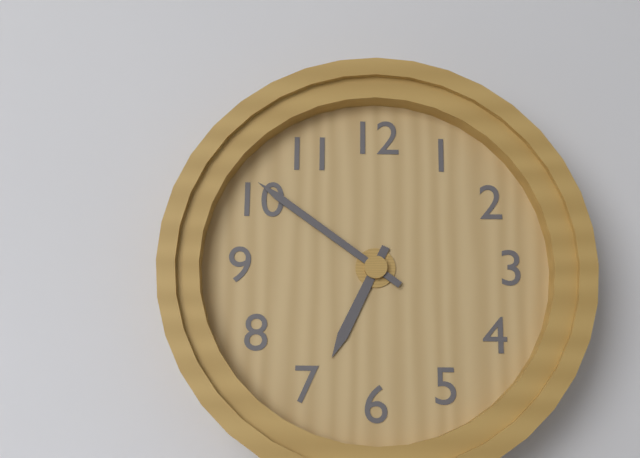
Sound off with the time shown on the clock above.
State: 6:51
